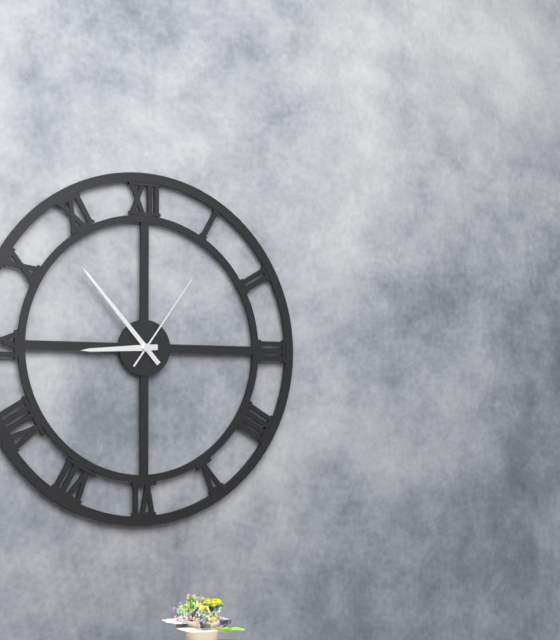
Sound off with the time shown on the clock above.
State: 8:53:06
